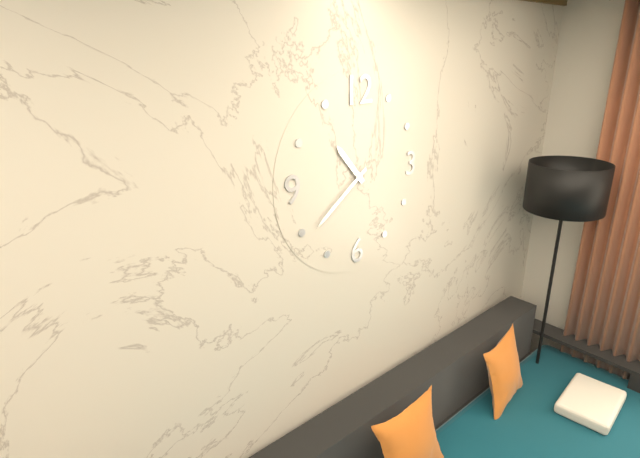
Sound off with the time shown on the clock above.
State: 10:39
